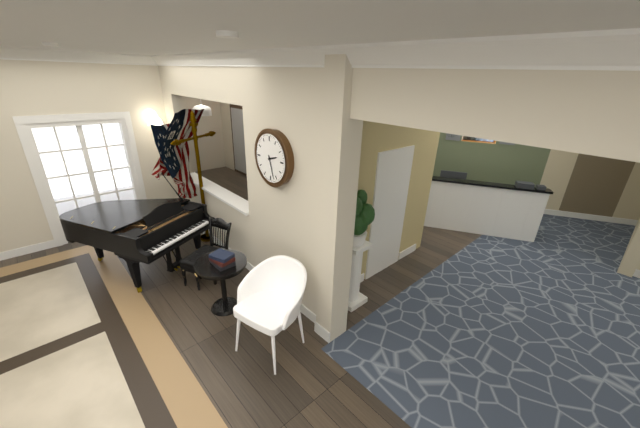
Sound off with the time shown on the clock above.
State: 2:27
